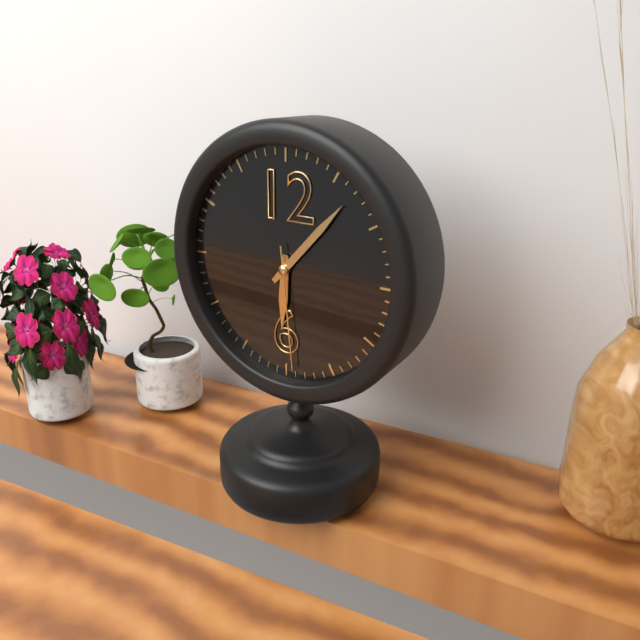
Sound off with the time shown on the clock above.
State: 6:07:29
